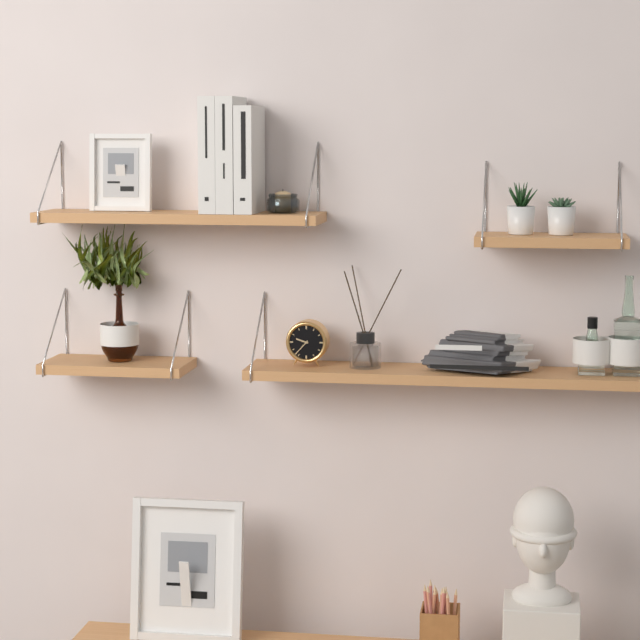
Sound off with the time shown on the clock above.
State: 9:37
